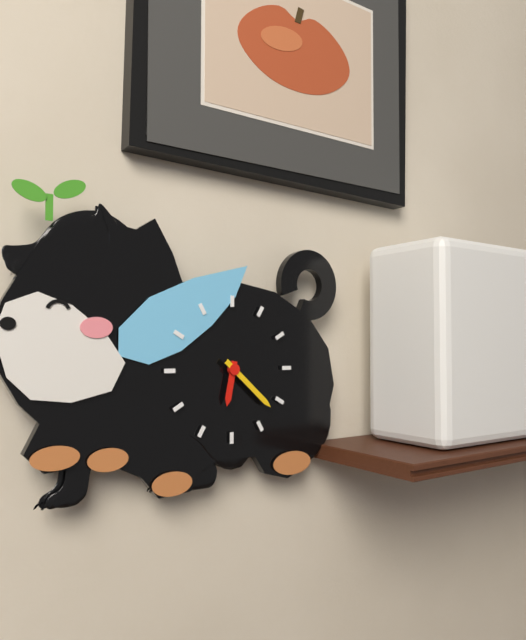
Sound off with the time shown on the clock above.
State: 6:22
